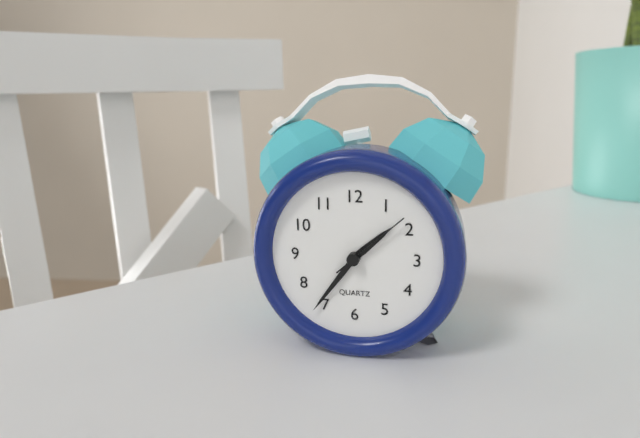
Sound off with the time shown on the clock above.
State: 1:36:08
